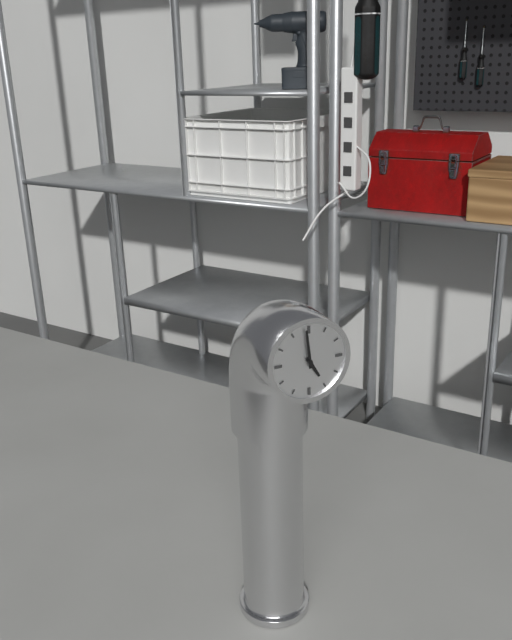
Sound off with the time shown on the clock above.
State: 4:59
